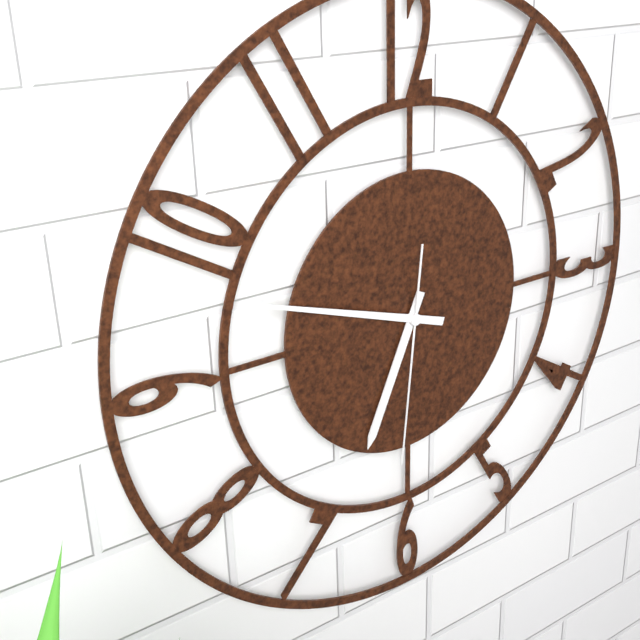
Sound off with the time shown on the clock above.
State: 6:48:31
